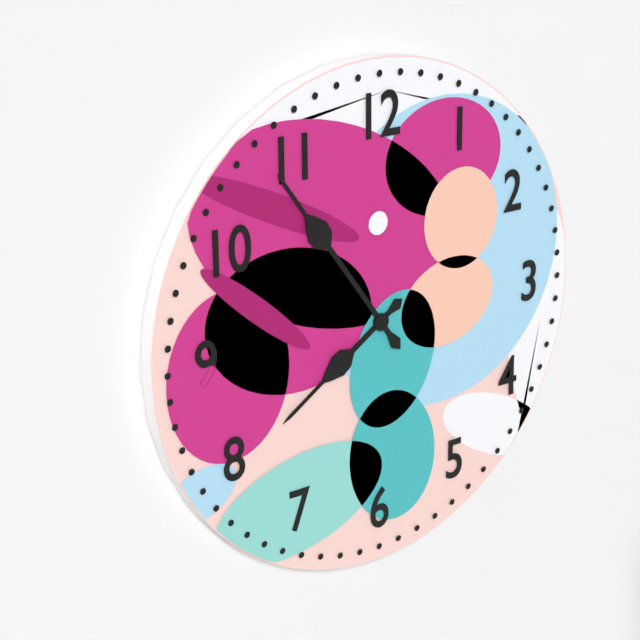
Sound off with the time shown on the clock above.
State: 7:54
